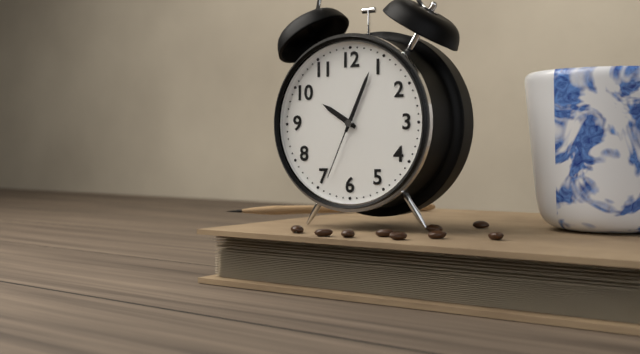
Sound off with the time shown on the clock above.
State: 10:04:34
